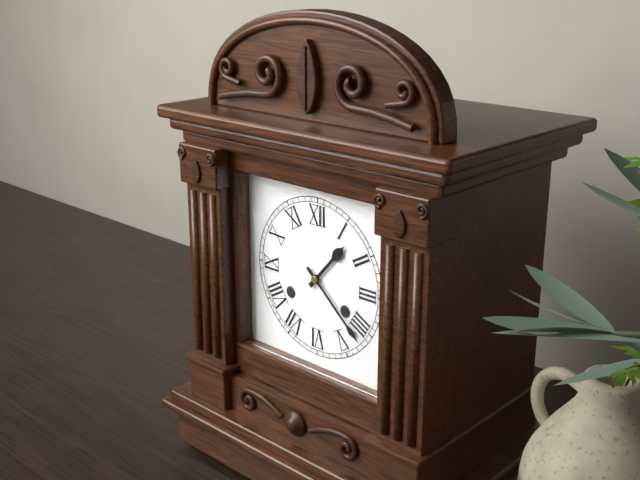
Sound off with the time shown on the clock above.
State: 1:22
